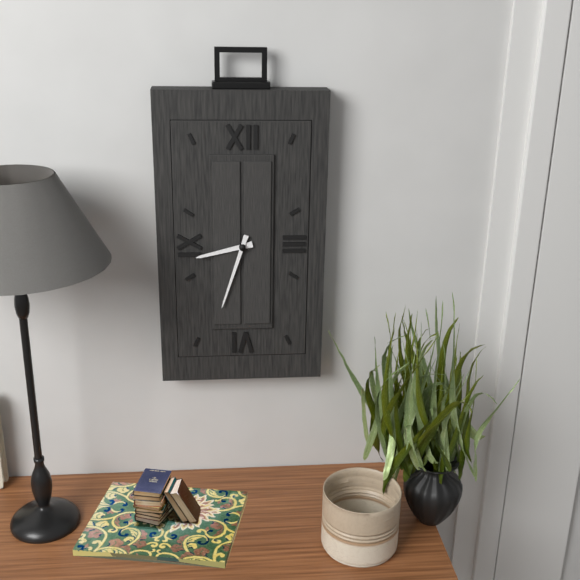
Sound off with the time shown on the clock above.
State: 8:33
